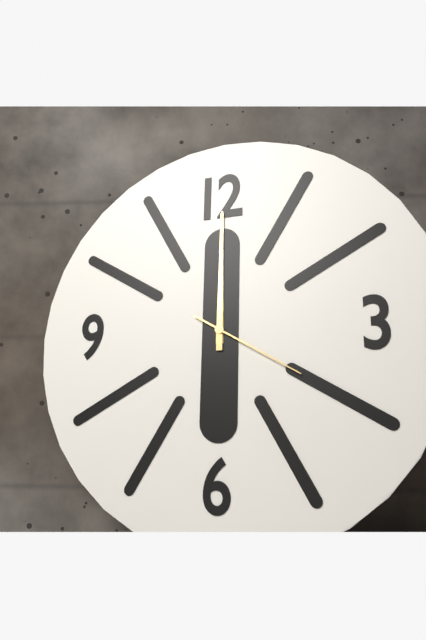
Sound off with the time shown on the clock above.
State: 12:00:20
